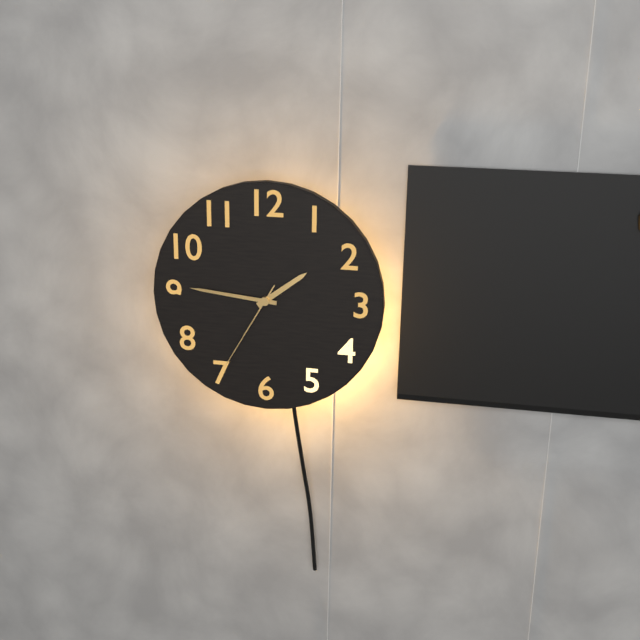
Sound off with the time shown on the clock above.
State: 1:46:35
